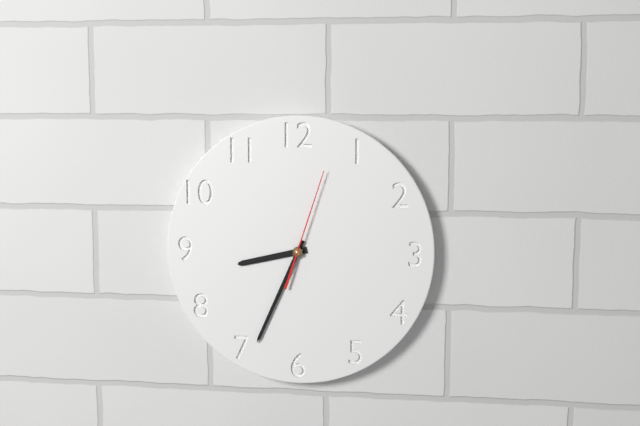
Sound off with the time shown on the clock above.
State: 8:34:03
